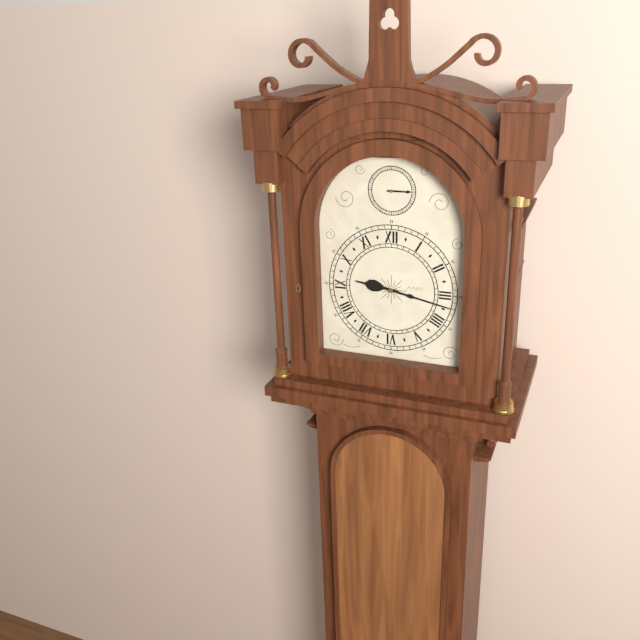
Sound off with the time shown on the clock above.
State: 9:17
